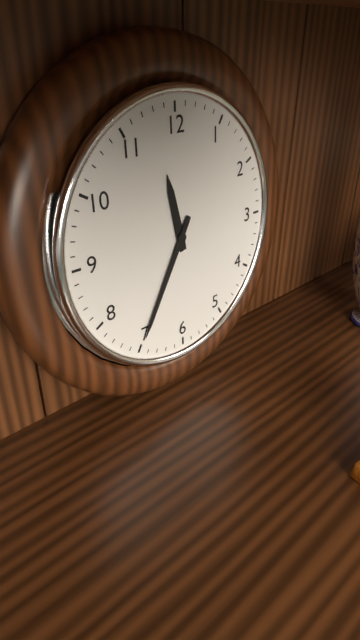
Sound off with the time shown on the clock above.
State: 11:35
